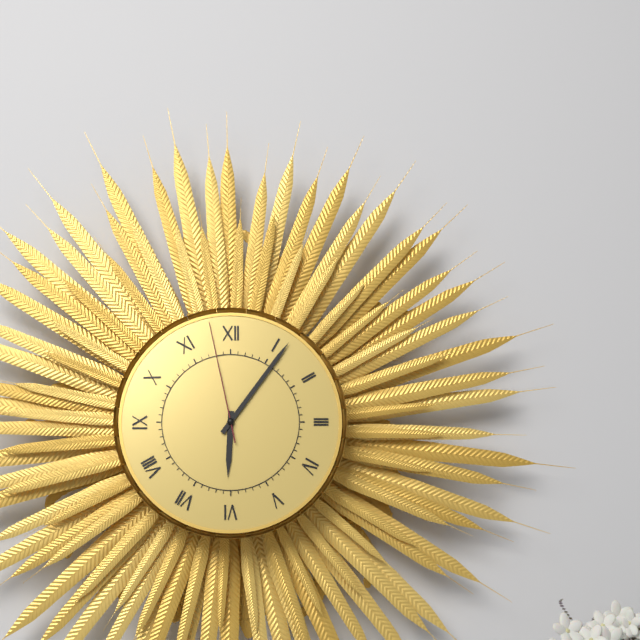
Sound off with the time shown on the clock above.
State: 6:06:58
